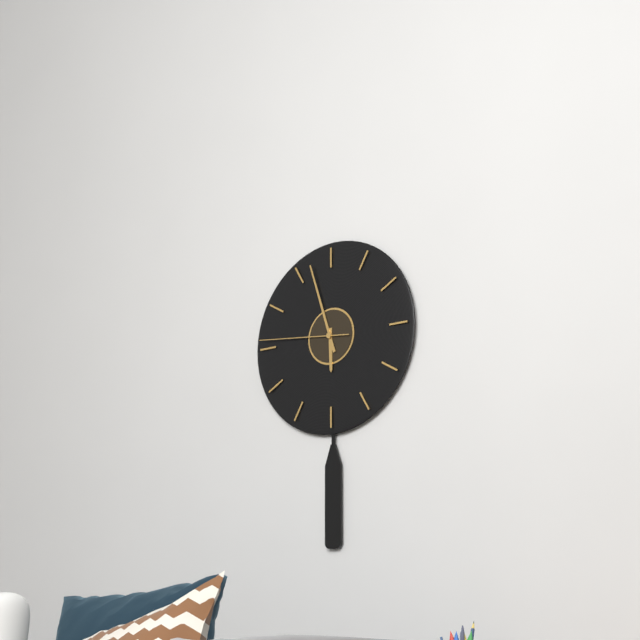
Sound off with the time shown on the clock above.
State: 5:57:46
